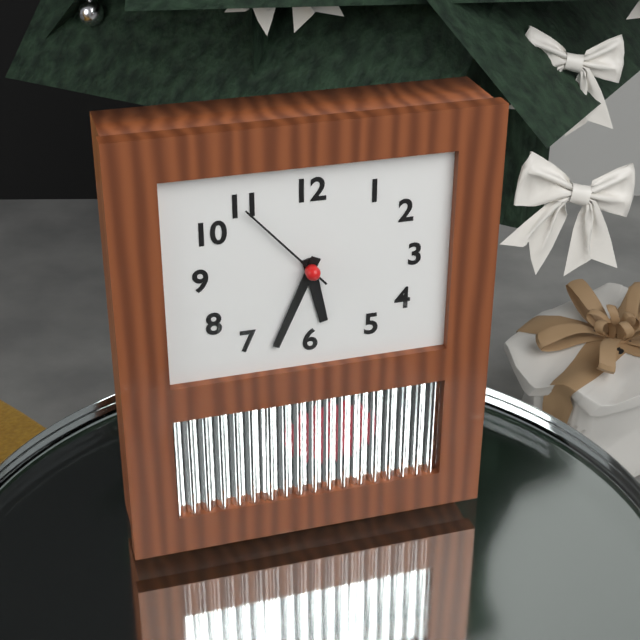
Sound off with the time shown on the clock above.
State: 5:34:53
